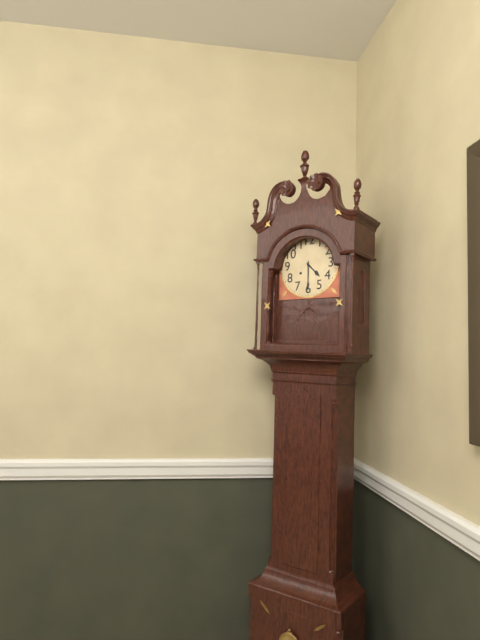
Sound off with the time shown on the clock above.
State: 4:30
